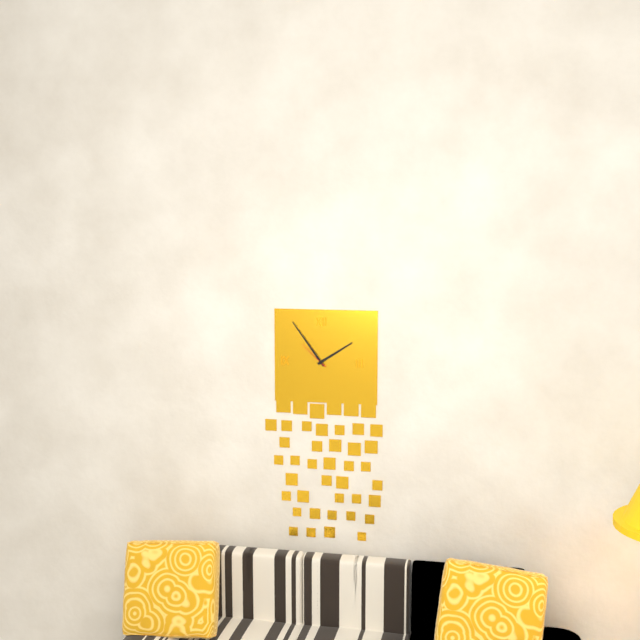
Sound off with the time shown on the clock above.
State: 1:54
